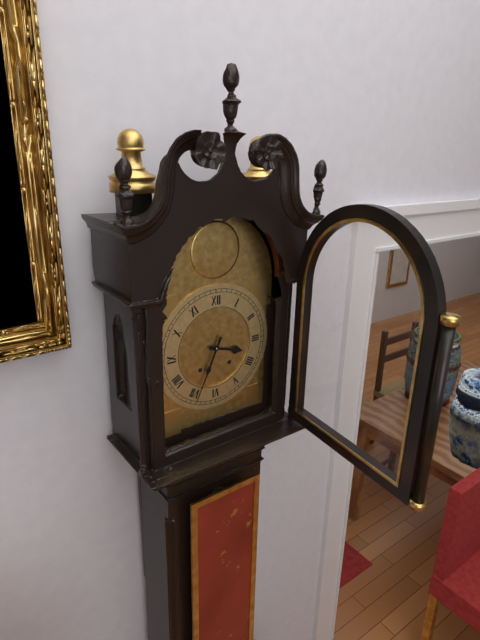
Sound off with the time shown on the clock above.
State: 3:34
